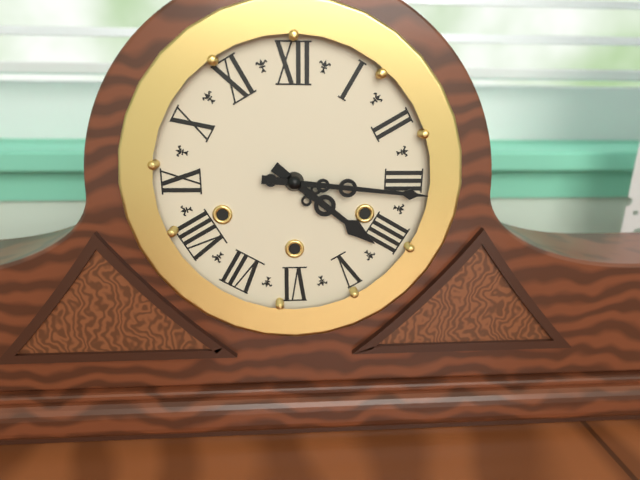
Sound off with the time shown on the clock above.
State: 4:16
